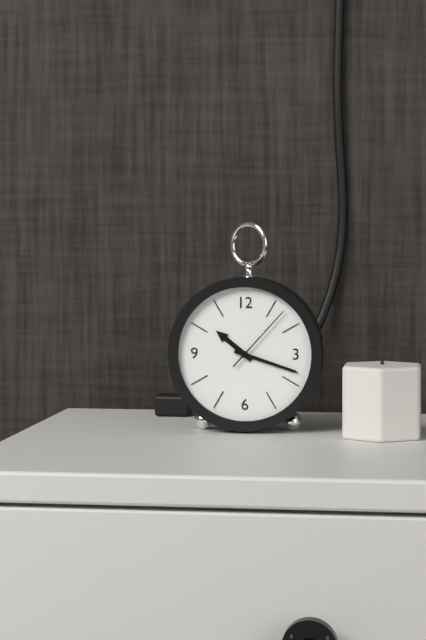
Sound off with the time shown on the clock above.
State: 10:18:07
